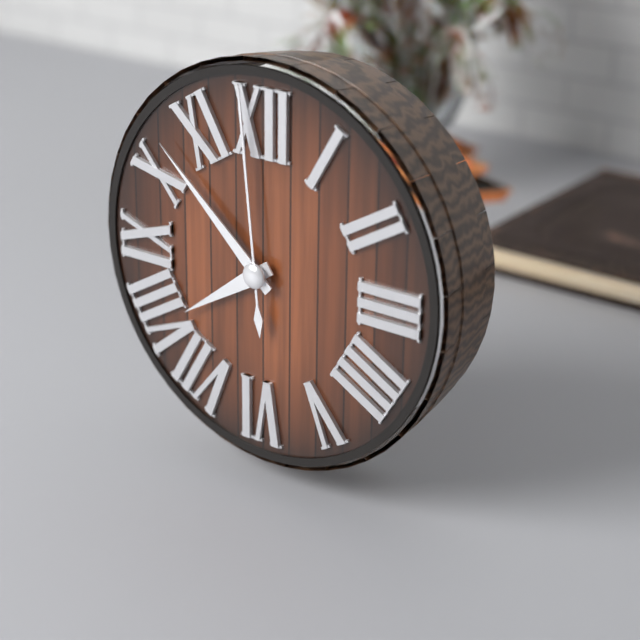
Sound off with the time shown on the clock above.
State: 7:52:59
